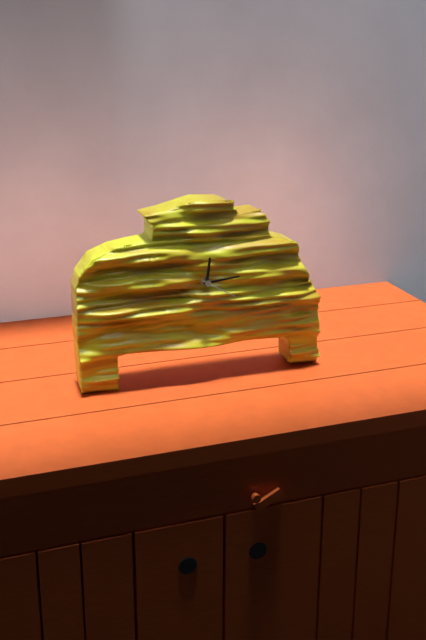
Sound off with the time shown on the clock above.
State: 12:14
